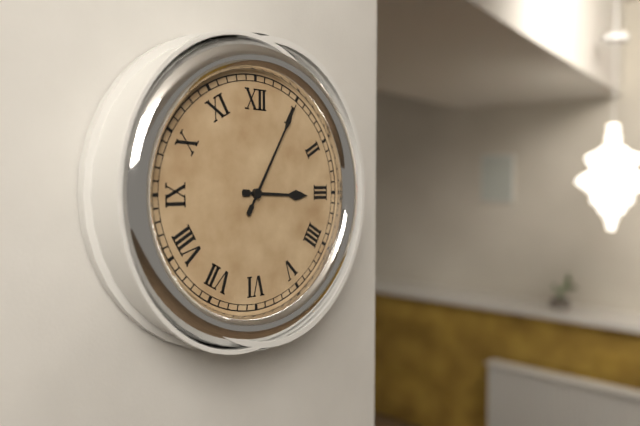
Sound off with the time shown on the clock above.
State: 3:05
